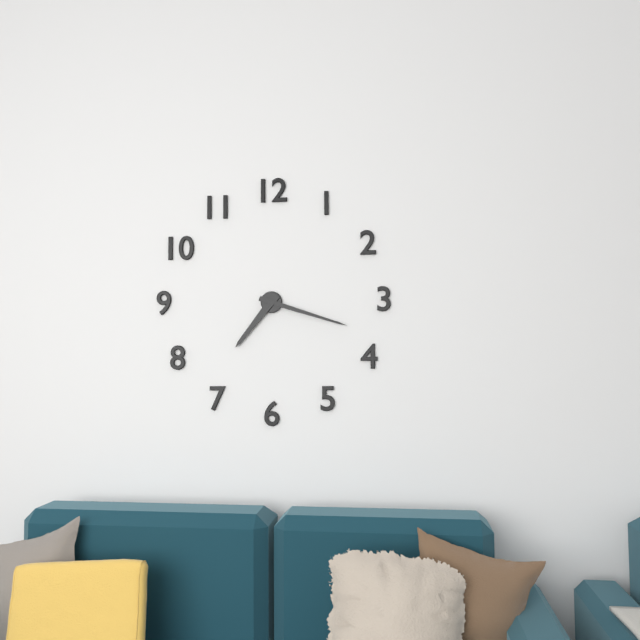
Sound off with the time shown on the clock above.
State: 7:18
